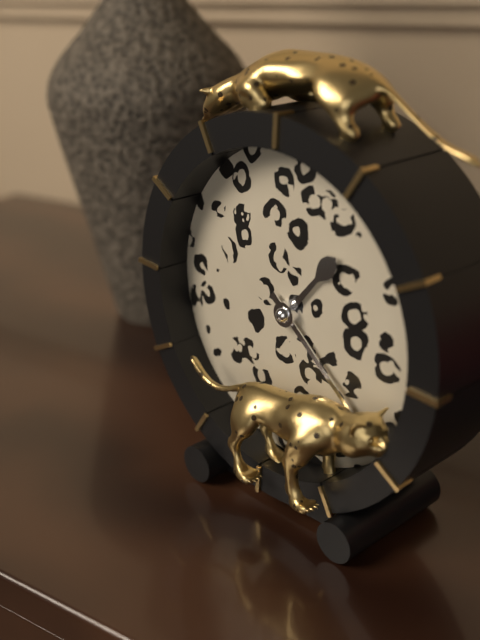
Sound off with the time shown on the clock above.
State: 1:22
